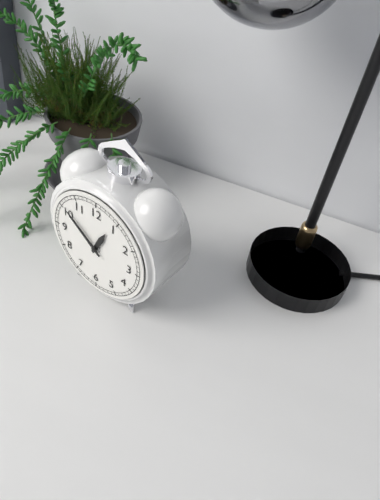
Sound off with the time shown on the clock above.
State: 12:51
